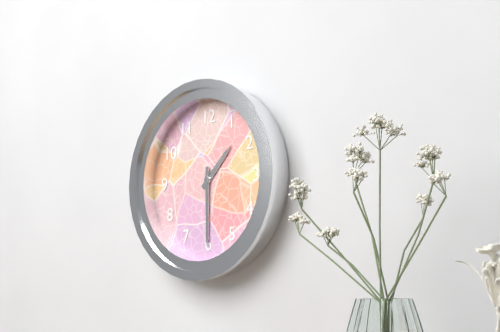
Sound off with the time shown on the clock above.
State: 1:30
